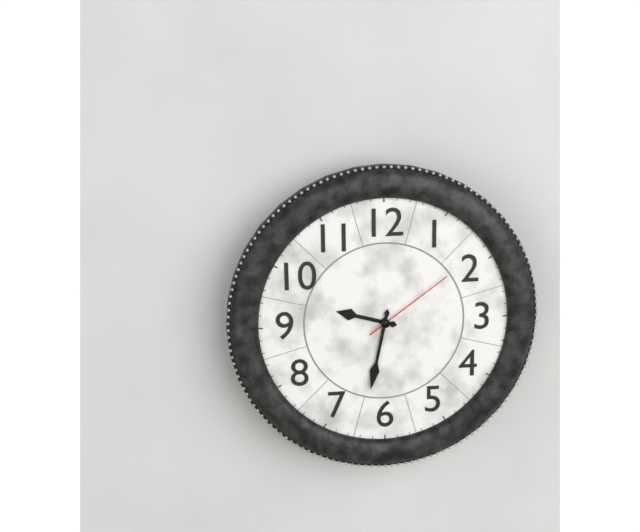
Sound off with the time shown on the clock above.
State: 9:32:09
